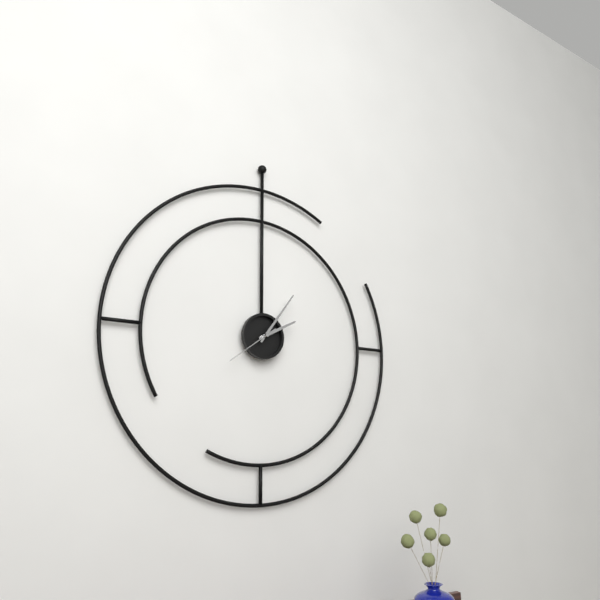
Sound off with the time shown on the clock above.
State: 2:06:39
